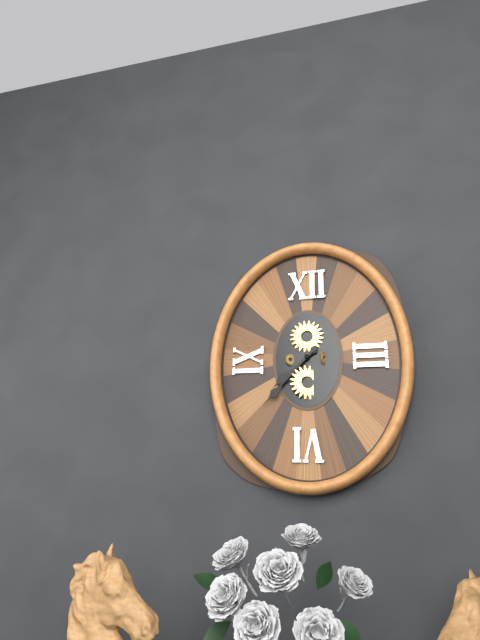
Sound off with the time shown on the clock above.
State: 7:37
